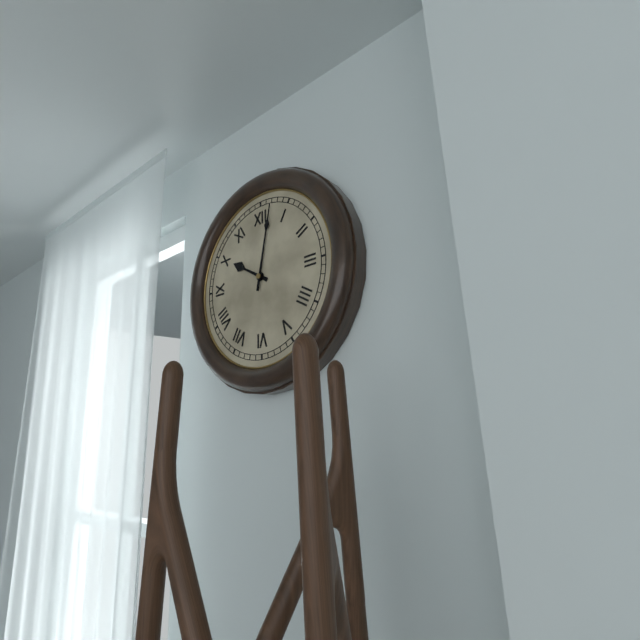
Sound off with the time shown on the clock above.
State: 10:02
